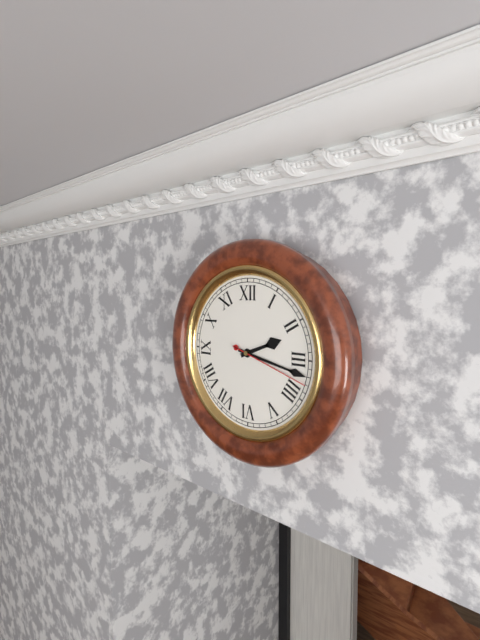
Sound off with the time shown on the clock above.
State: 2:17:18
